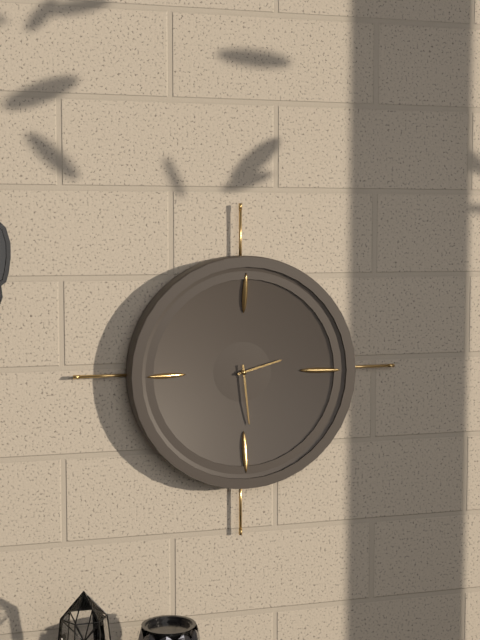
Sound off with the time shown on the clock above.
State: 2:29
